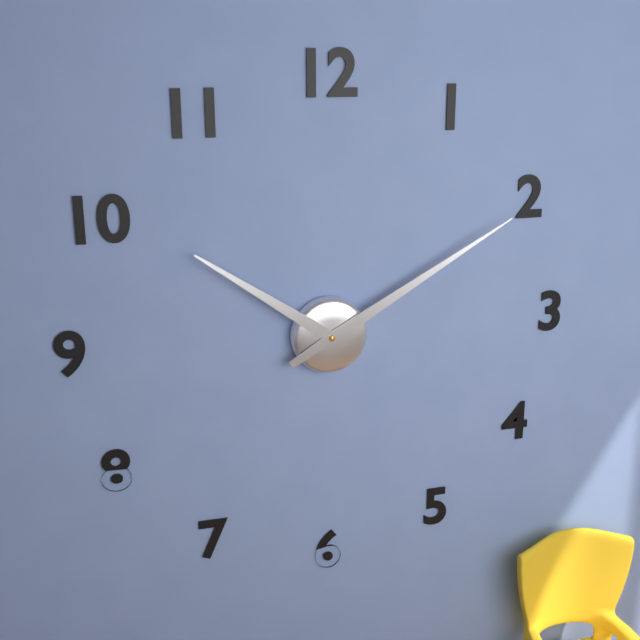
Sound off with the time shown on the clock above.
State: 10:10
